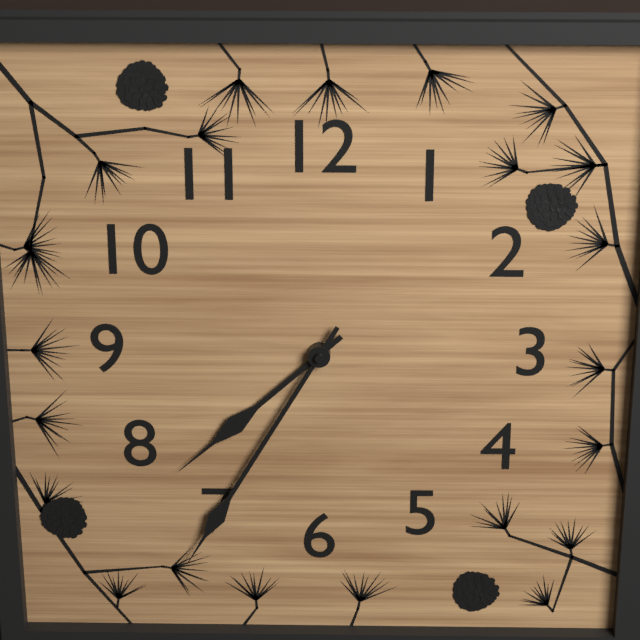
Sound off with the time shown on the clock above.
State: 7:35
